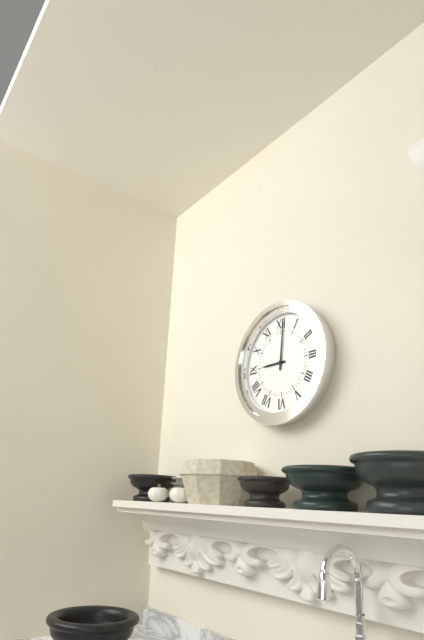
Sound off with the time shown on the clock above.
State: 9:01
